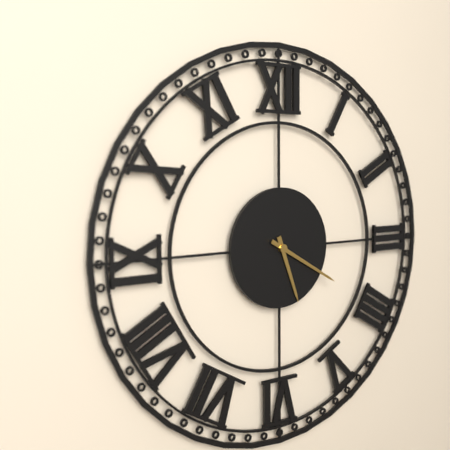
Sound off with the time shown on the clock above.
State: 5:20
